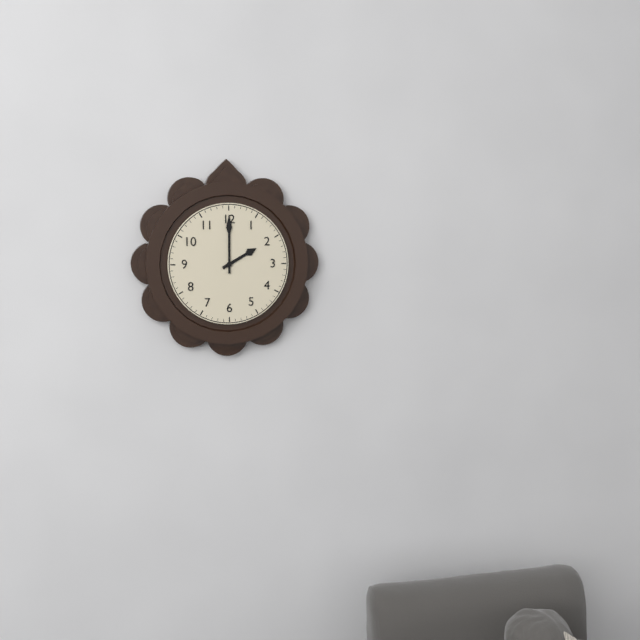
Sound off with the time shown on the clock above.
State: 2:00
